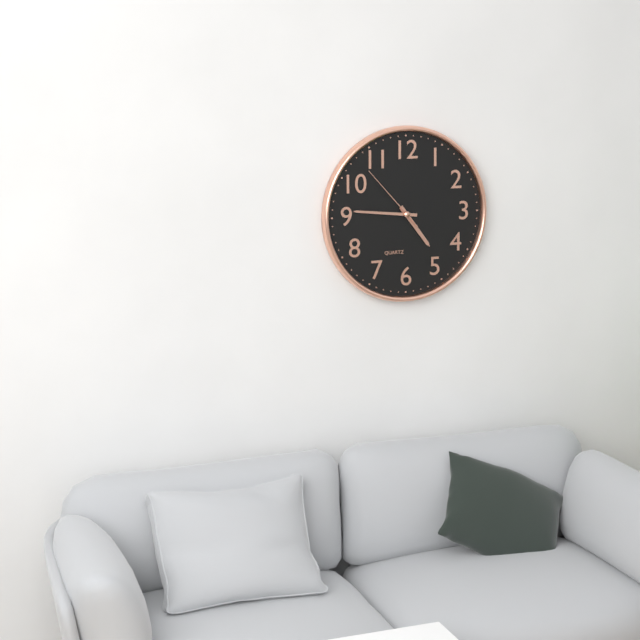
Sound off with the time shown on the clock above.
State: 4:46:53
